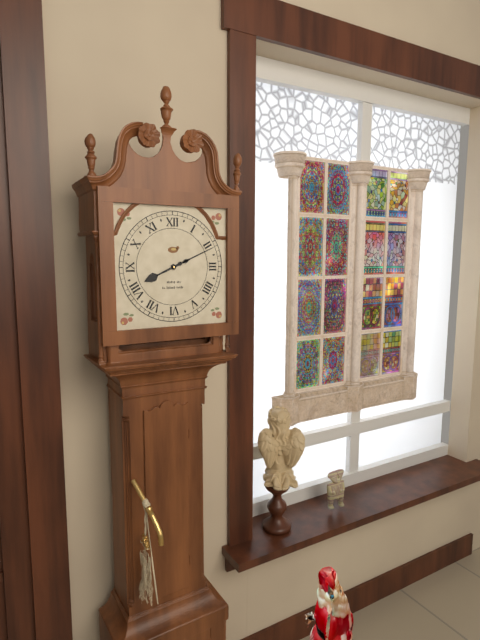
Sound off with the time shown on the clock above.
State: 8:11
